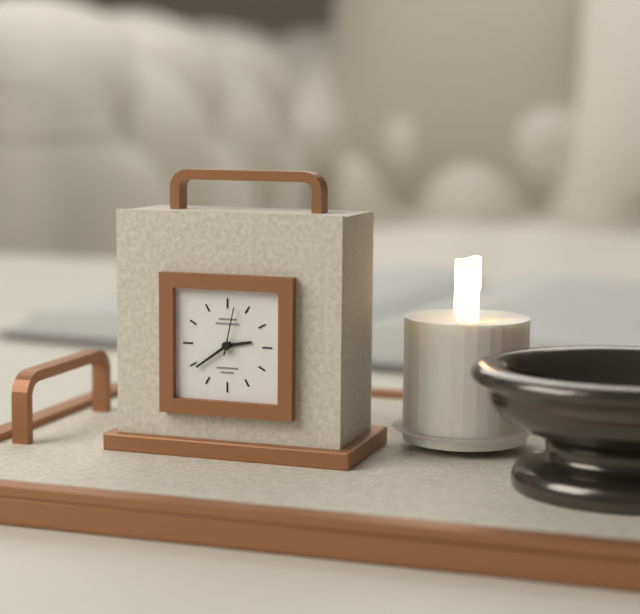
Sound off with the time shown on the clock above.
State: 2:39
